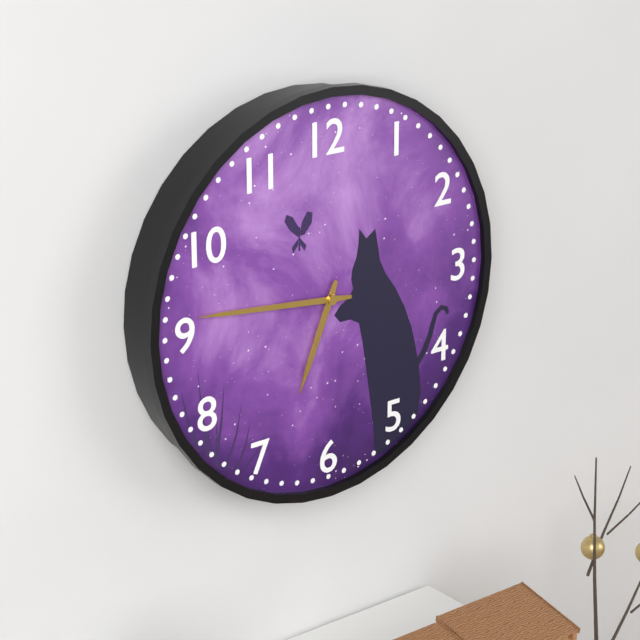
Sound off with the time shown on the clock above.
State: 6:46
